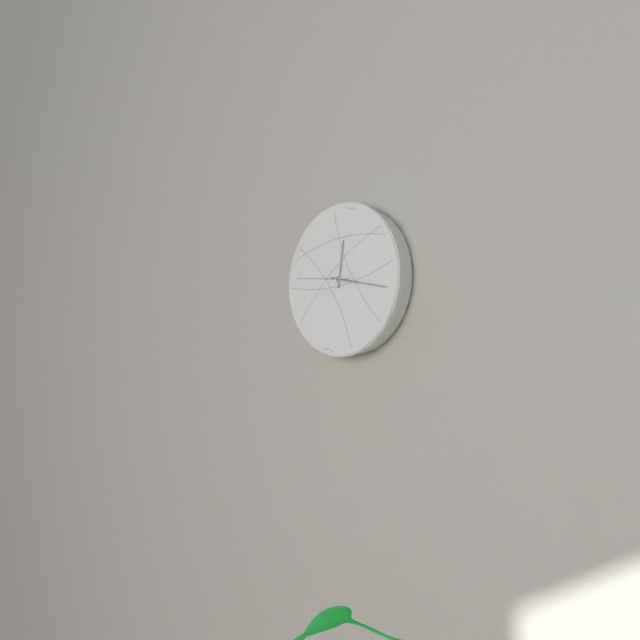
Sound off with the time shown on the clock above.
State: 12:17:46
